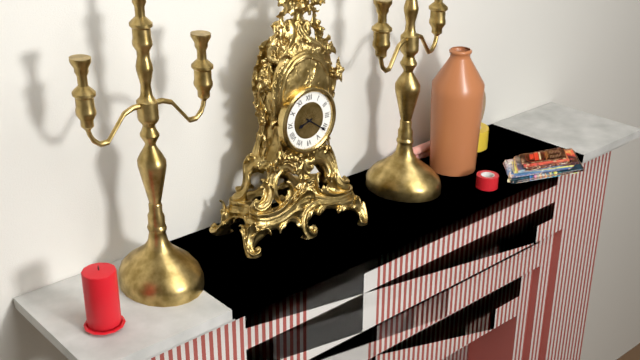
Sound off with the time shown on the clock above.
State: 8:21
